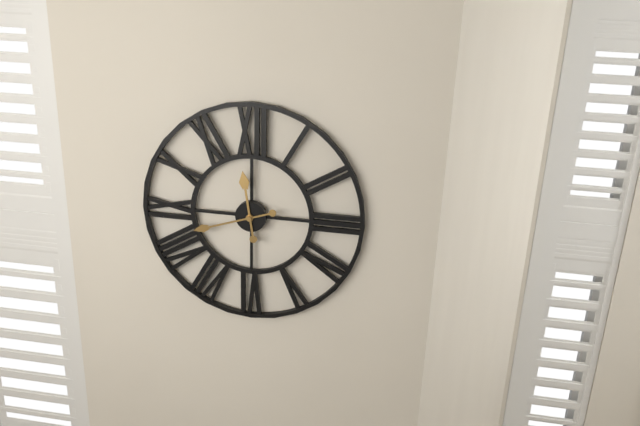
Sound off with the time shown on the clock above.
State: 11:42
